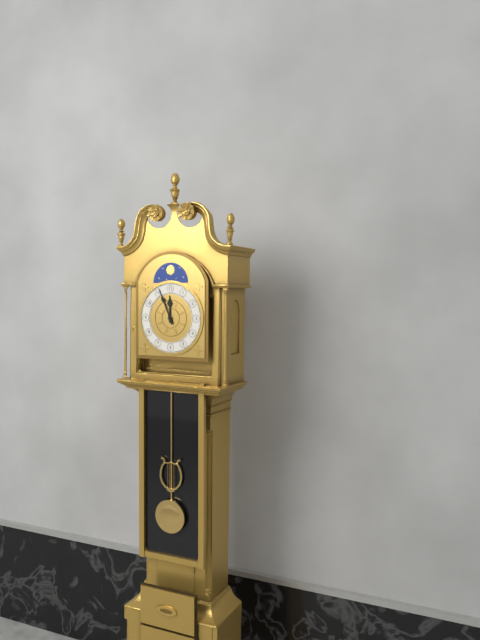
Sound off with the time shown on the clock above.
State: 11:56
